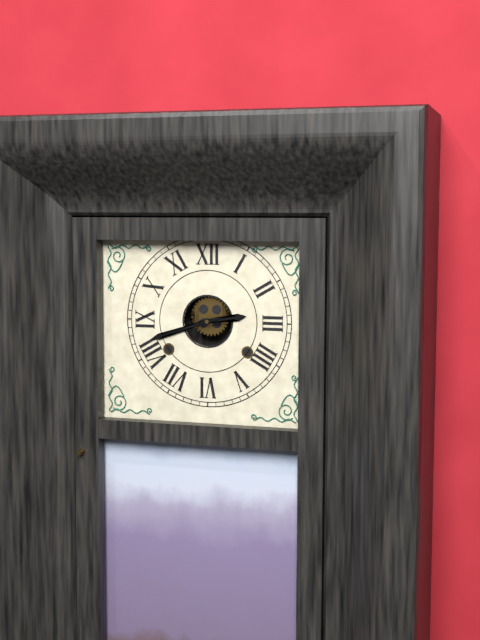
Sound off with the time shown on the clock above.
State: 2:42
